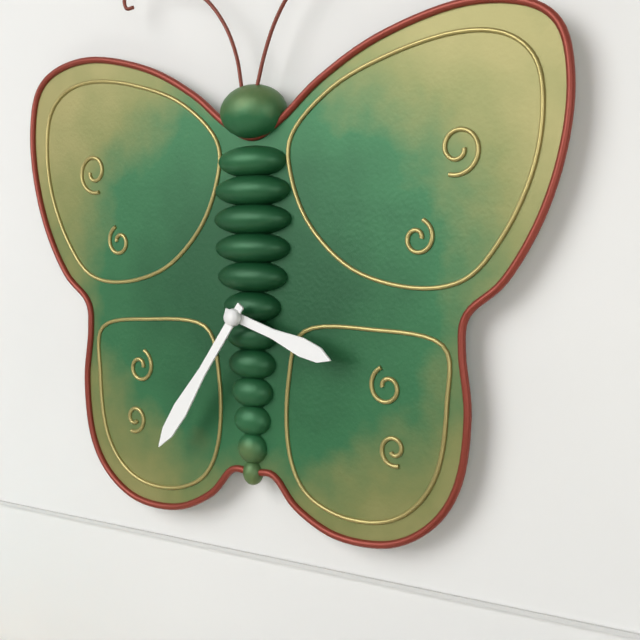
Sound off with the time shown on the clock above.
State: 3:36
